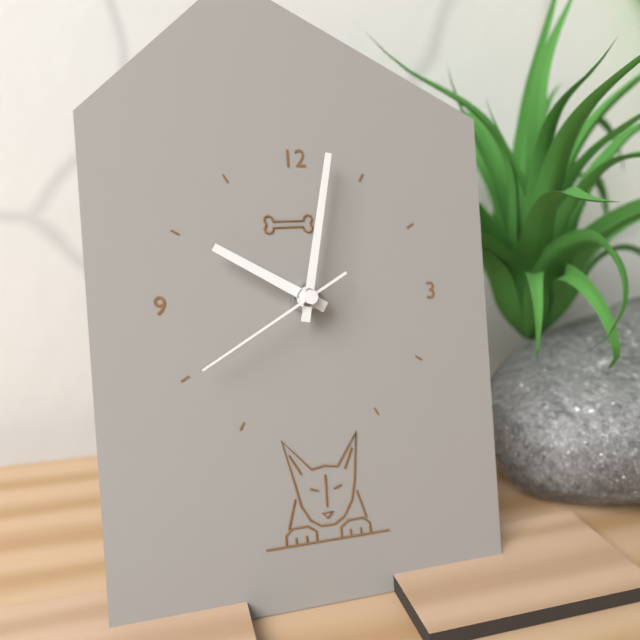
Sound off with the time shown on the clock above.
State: 10:02:40
